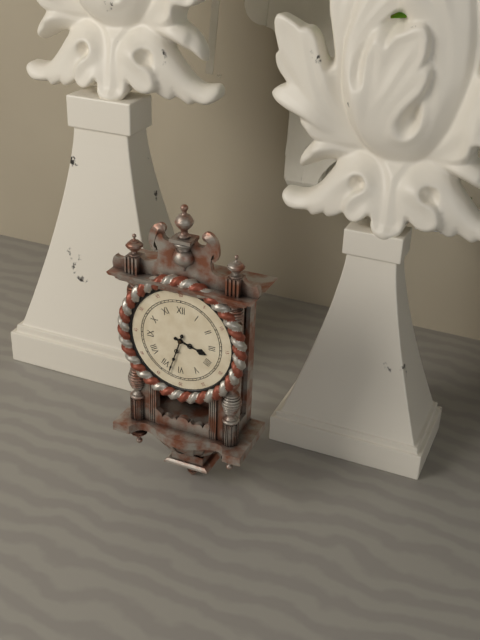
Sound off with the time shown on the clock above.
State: 3:33
